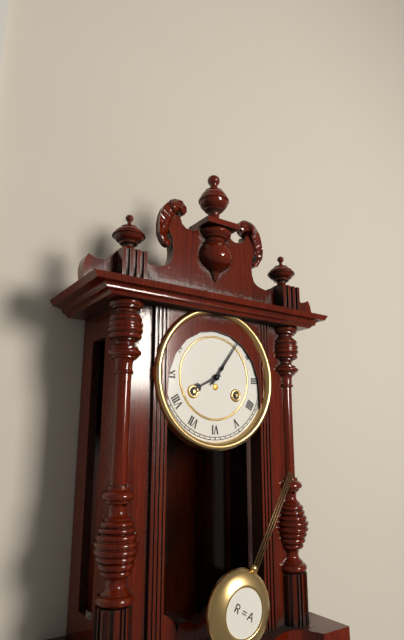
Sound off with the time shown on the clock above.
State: 8:06
